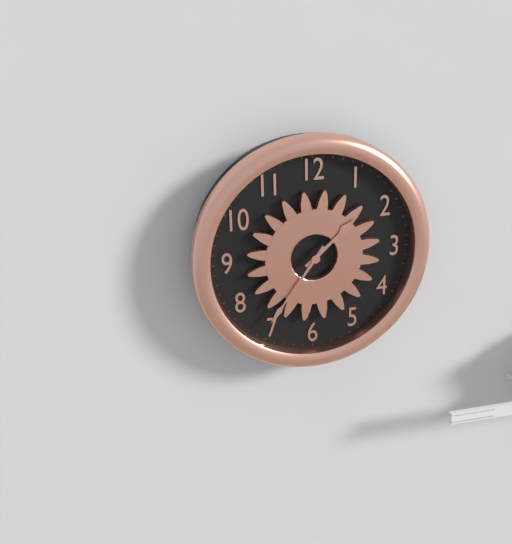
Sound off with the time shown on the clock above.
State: 1:36
